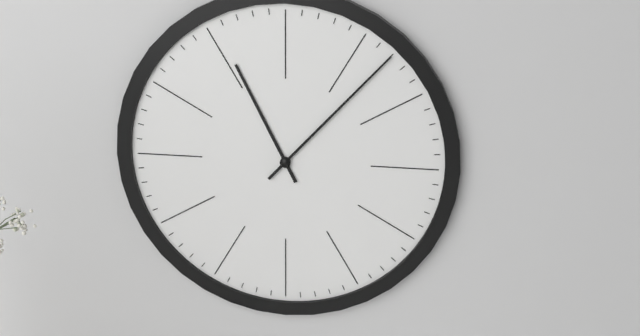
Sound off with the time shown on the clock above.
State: 11:07
